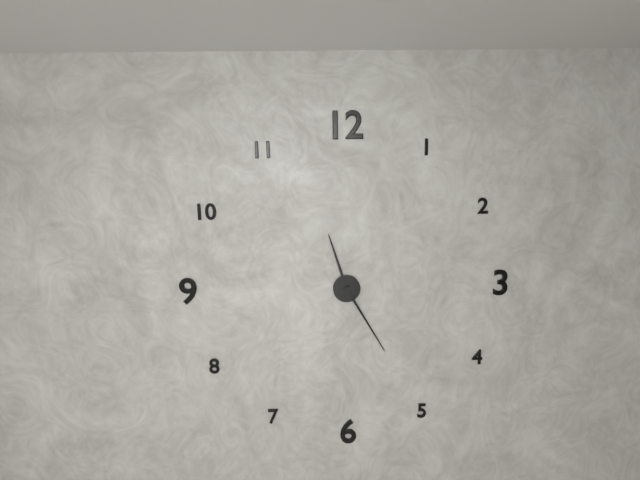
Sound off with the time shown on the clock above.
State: 11:25
